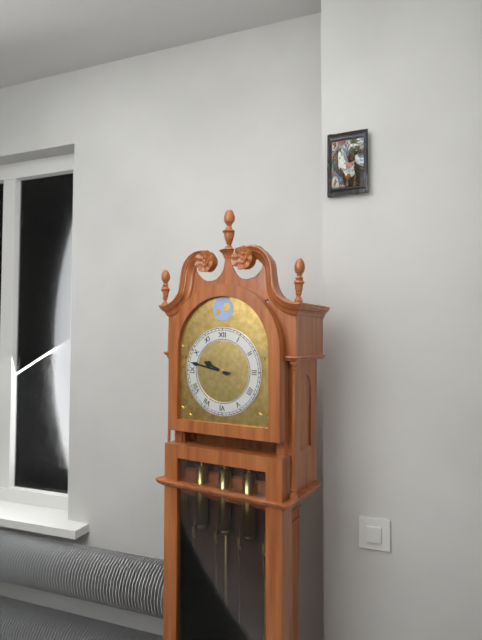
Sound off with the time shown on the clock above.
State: 9:47
